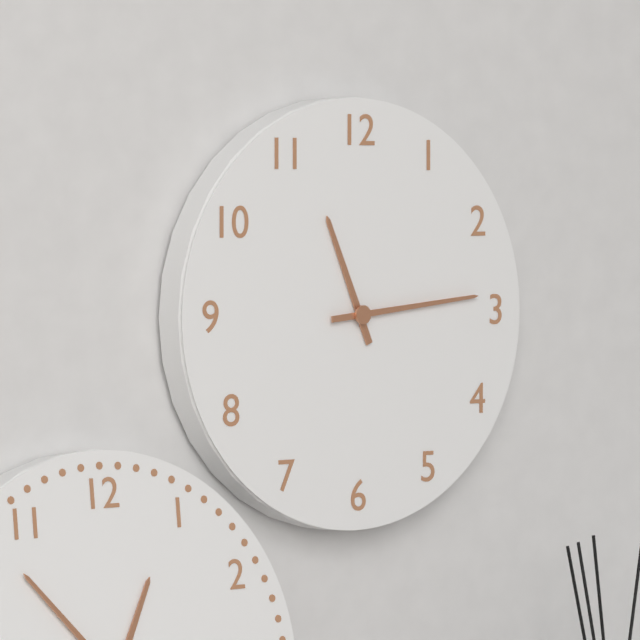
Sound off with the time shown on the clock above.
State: 11:14
